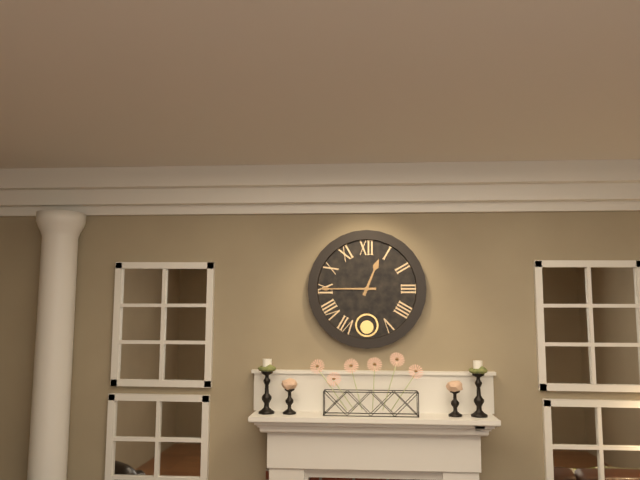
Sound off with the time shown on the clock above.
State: 12:45
